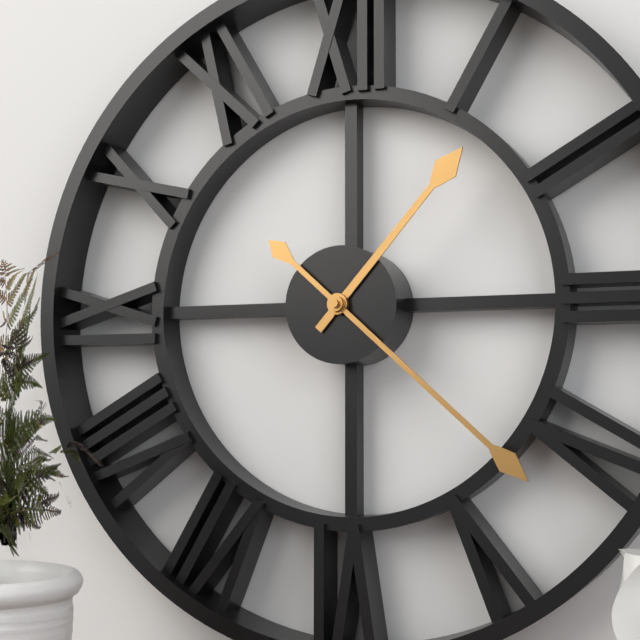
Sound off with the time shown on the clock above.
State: 1:22
